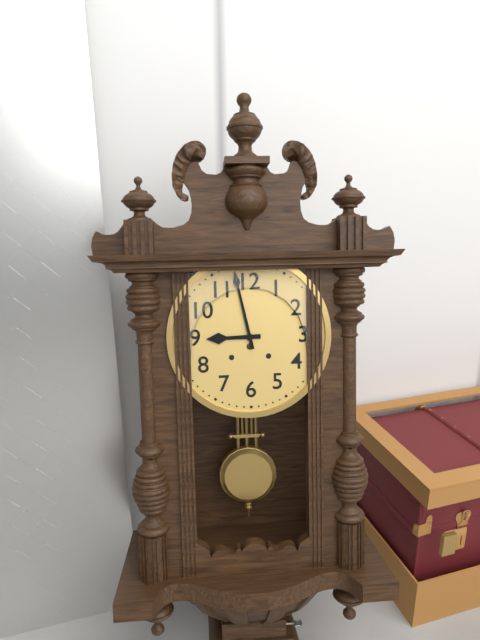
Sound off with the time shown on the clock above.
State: 8:58
